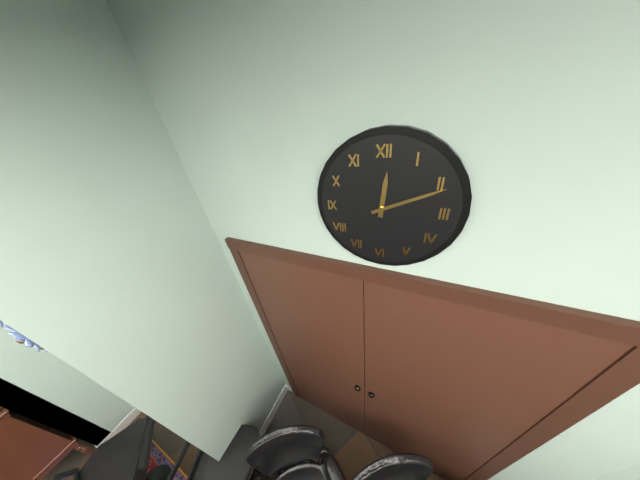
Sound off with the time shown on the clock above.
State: 12:11
